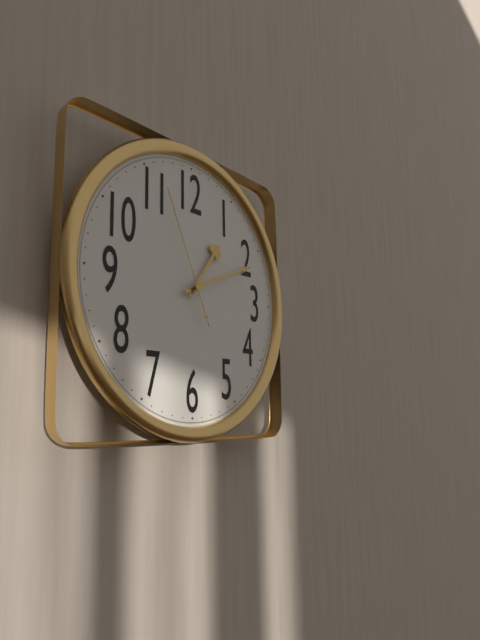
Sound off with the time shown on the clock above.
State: 1:11:56
